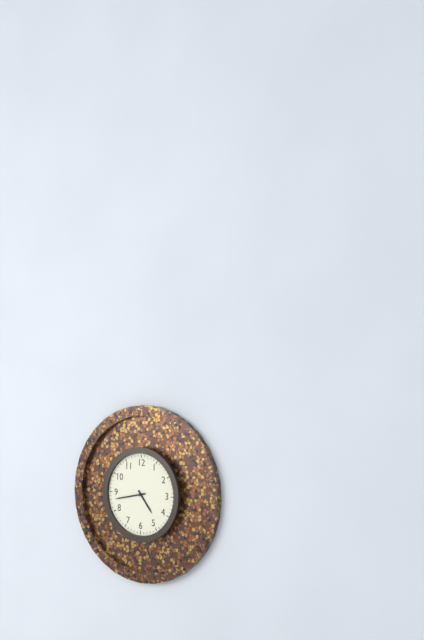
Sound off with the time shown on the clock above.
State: 4:43
